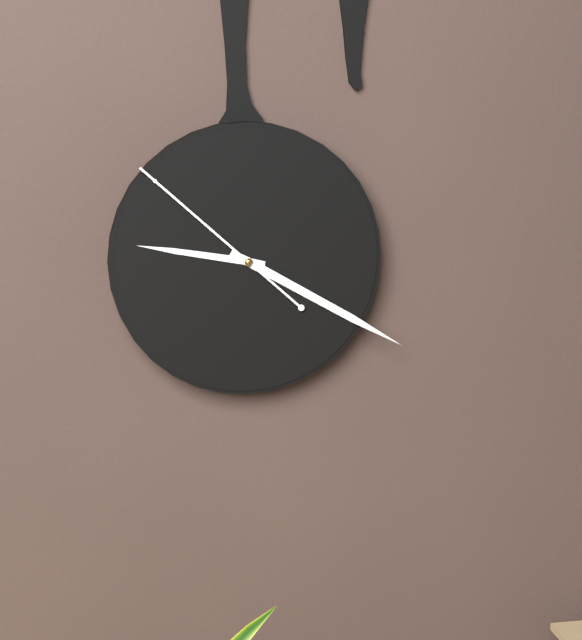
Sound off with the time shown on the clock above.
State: 9:20:52
